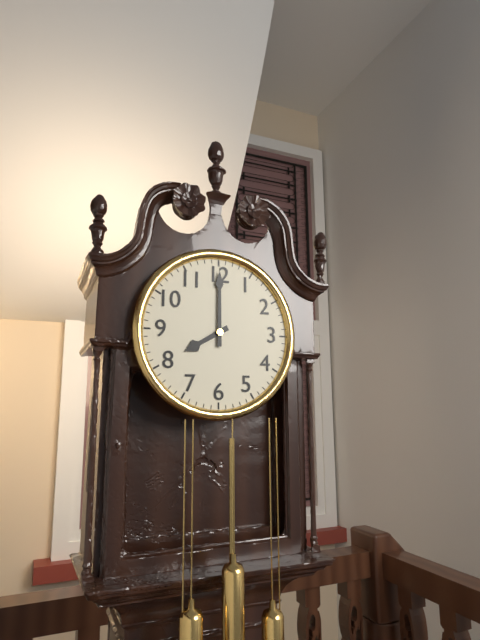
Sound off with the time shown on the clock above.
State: 8:00
